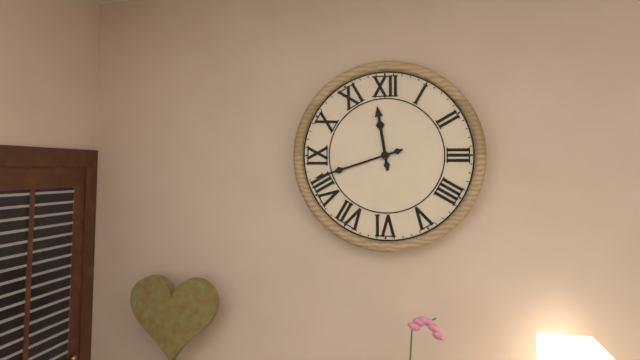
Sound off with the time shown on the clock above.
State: 11:42
